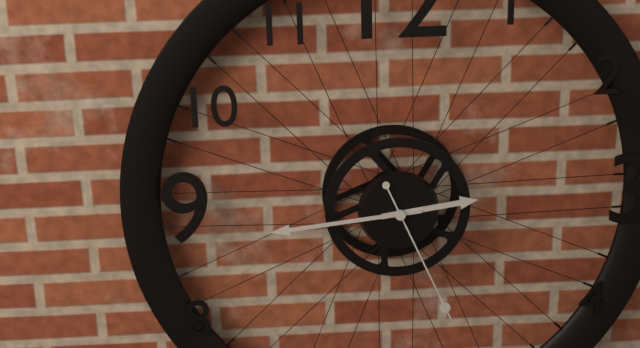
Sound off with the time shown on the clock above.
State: 2:44:26
